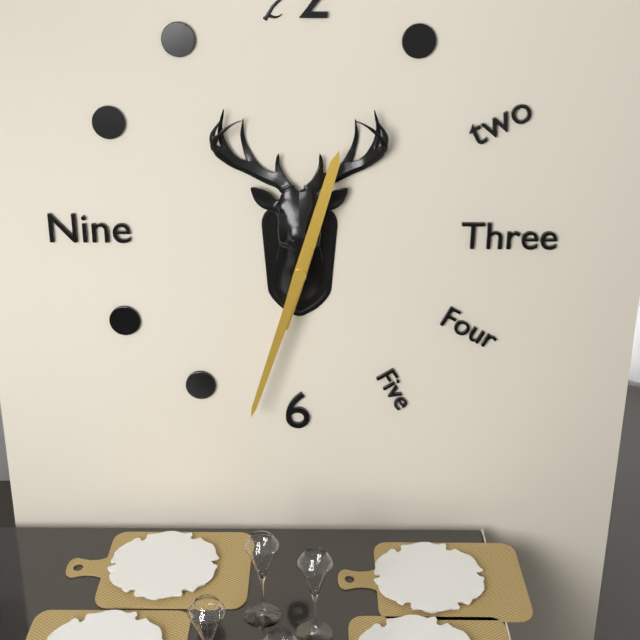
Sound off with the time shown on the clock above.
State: 12:33
